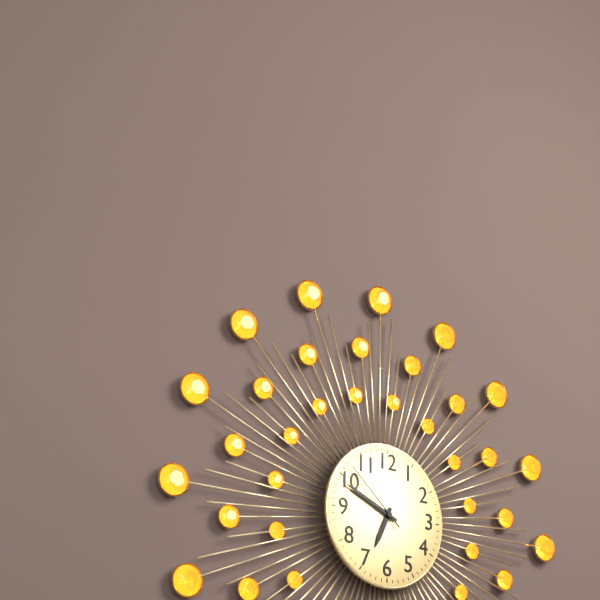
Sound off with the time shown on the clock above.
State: 6:49:52
